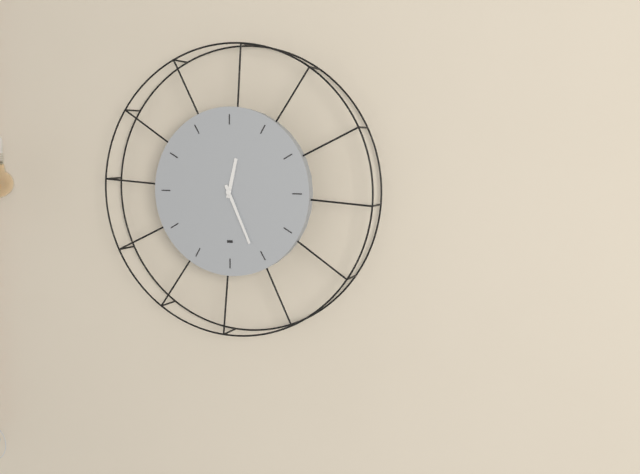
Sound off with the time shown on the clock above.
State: 12:26
